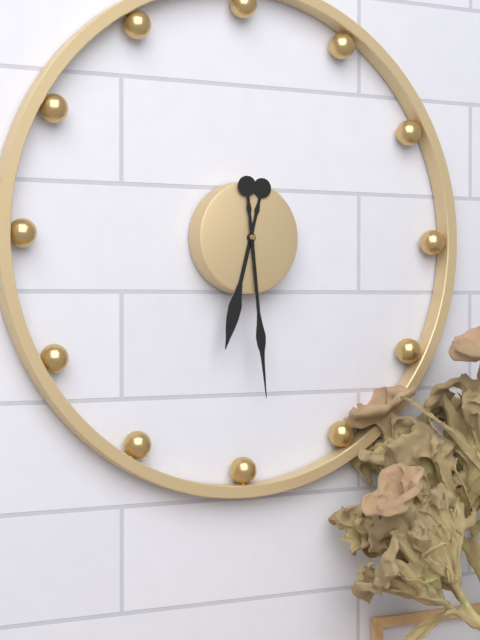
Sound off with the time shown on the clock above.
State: 6:29
